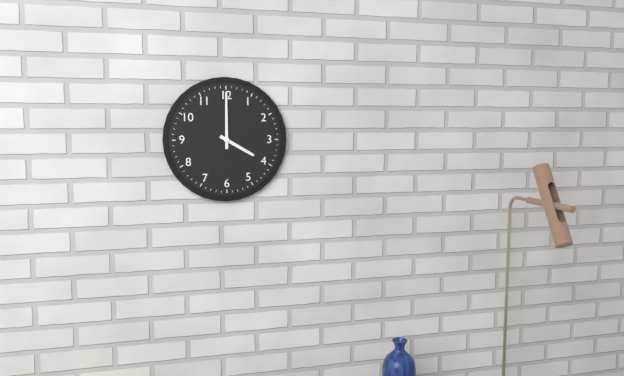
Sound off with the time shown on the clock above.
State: 4:00
